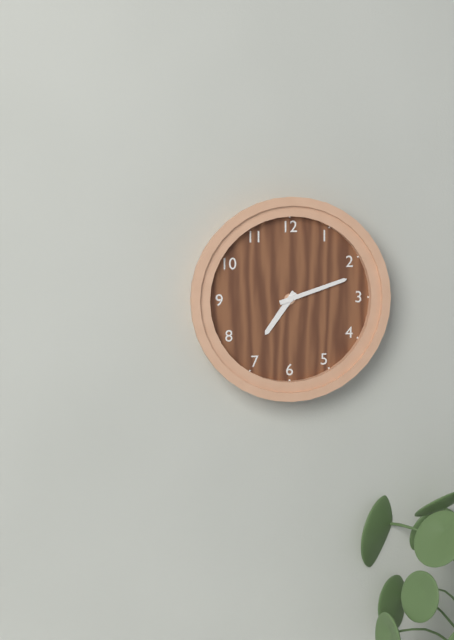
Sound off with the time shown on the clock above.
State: 7:12
